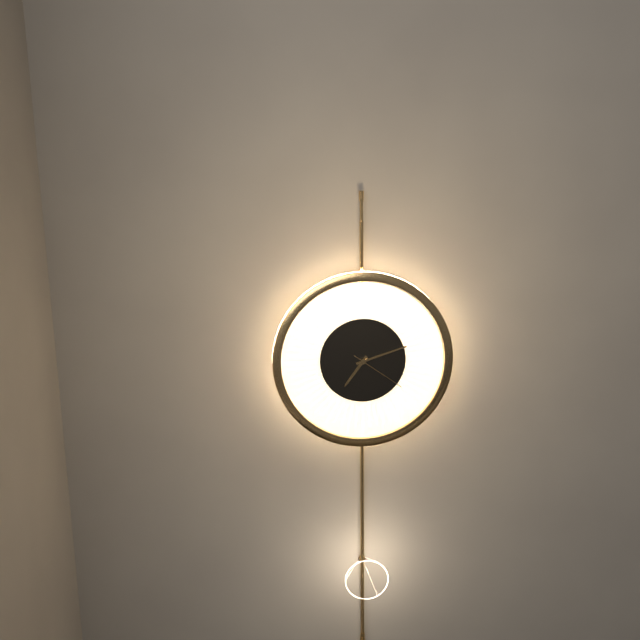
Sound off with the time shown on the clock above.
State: 7:12:21
